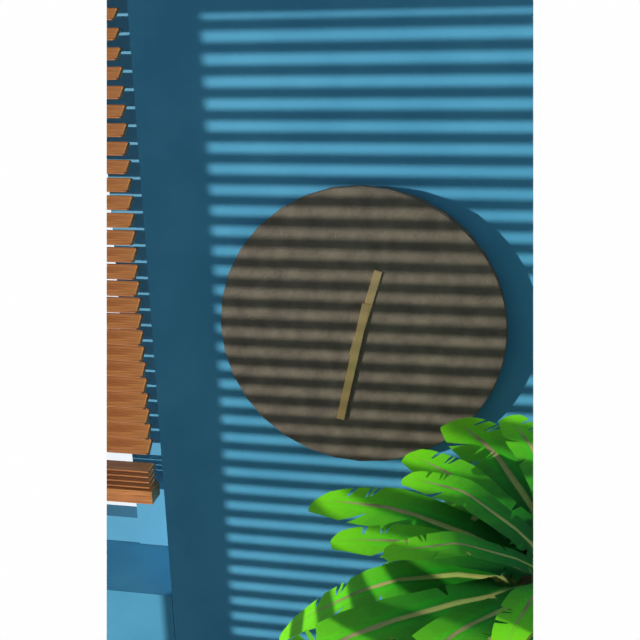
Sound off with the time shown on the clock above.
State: 12:32
